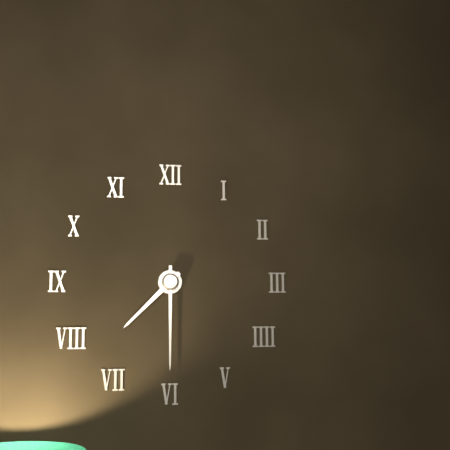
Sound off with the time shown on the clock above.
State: 7:30
